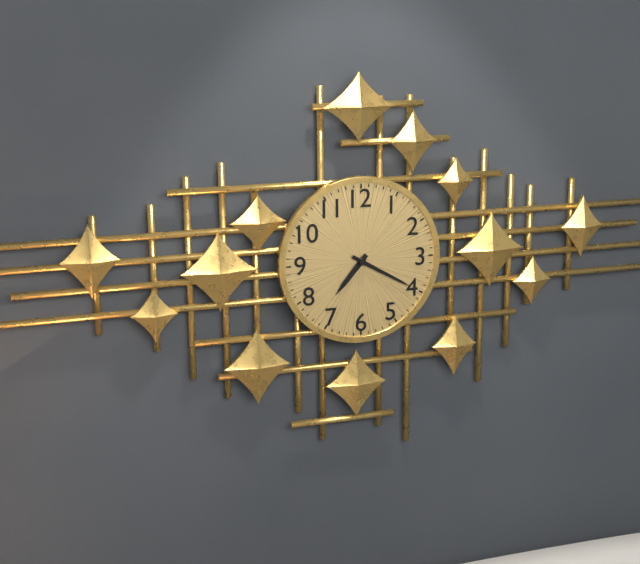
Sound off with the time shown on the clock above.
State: 7:20
